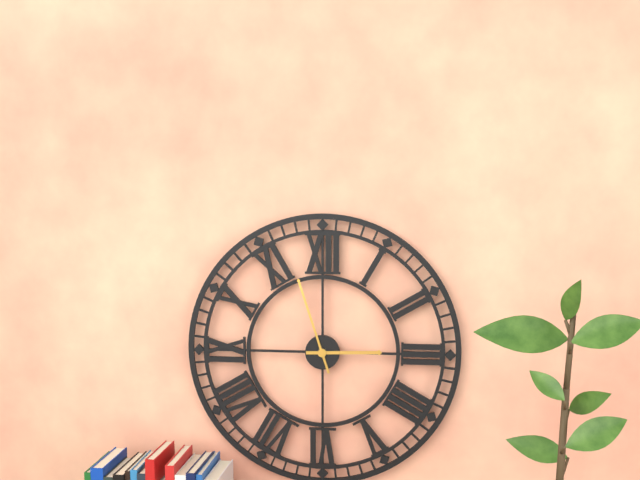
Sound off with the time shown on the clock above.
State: 2:57
